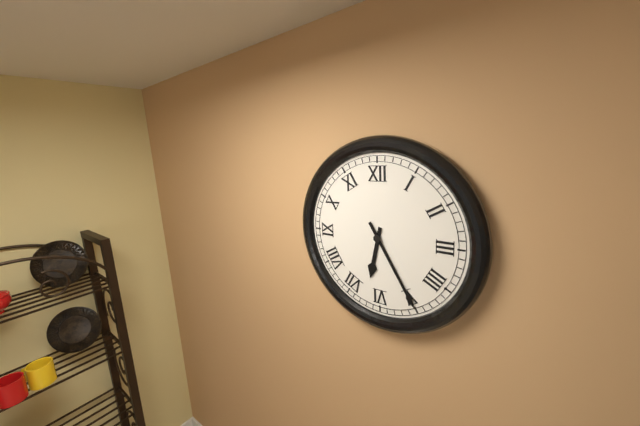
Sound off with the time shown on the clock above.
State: 6:25
